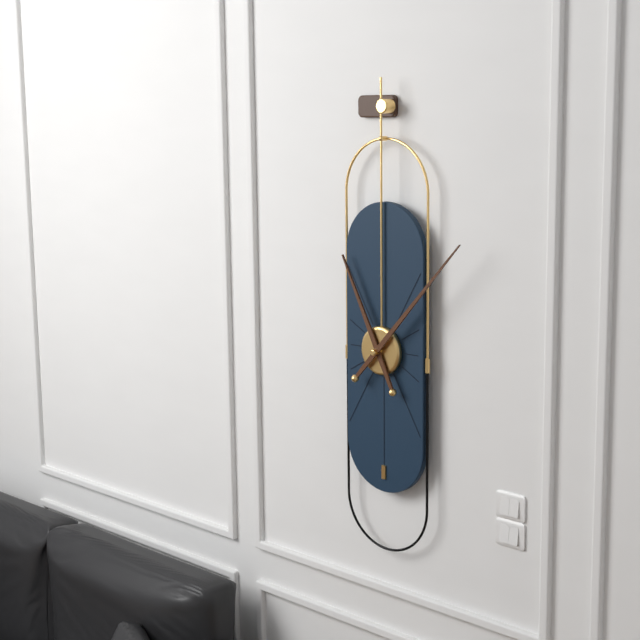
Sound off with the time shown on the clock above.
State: 11:07
